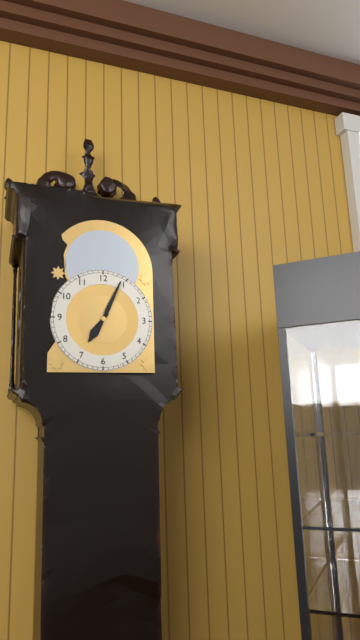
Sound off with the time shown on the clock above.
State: 7:04
